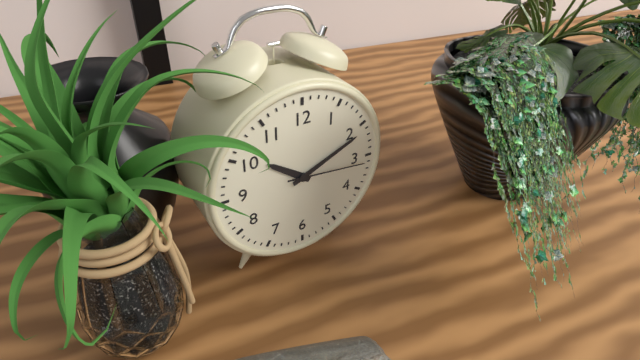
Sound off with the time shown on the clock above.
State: 10:11:16
